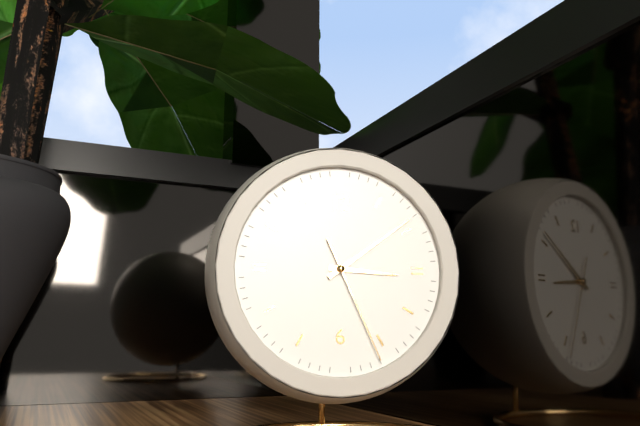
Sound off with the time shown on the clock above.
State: 3:09:26
